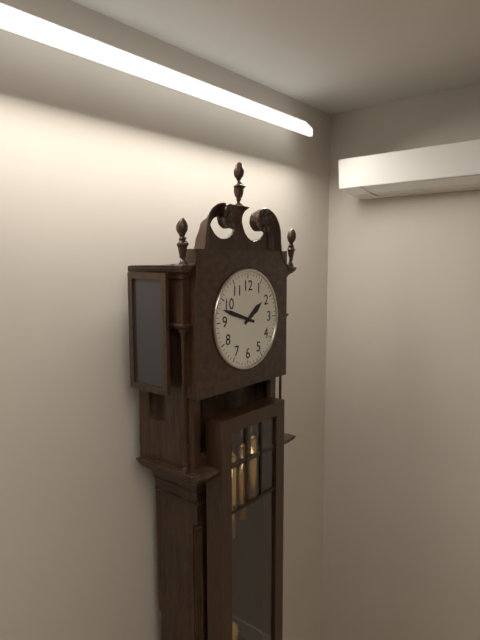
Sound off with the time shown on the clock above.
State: 1:48
